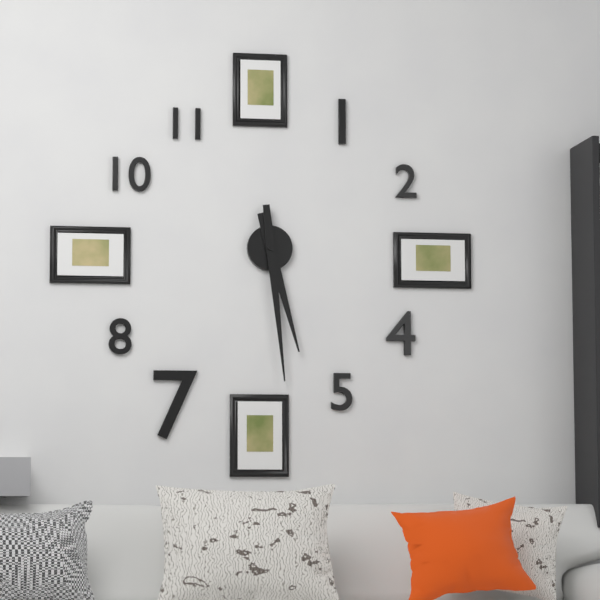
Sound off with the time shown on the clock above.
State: 5:29
